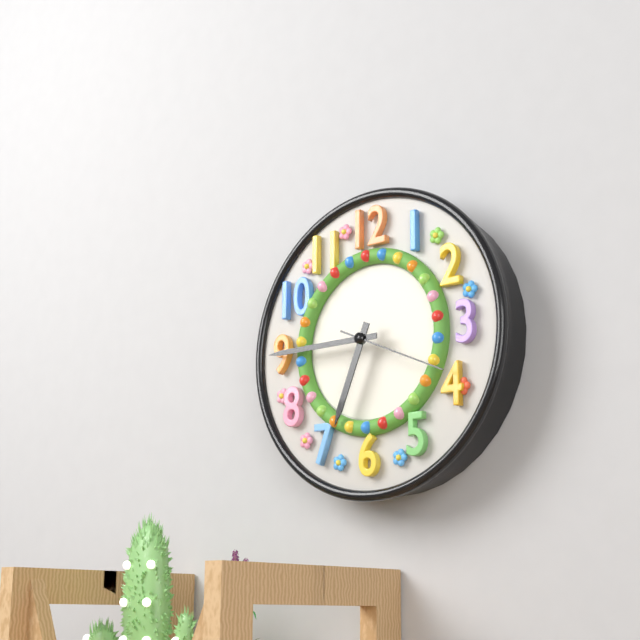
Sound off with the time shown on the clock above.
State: 6:45:19
